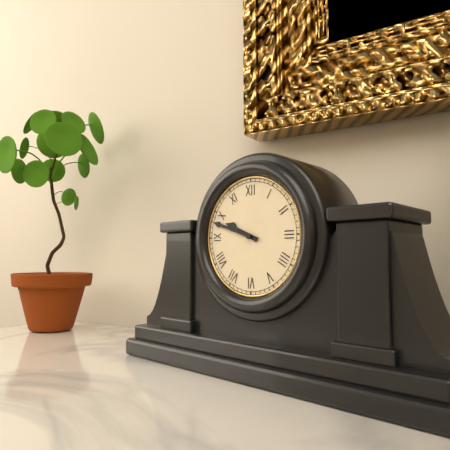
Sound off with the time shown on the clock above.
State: 9:48
